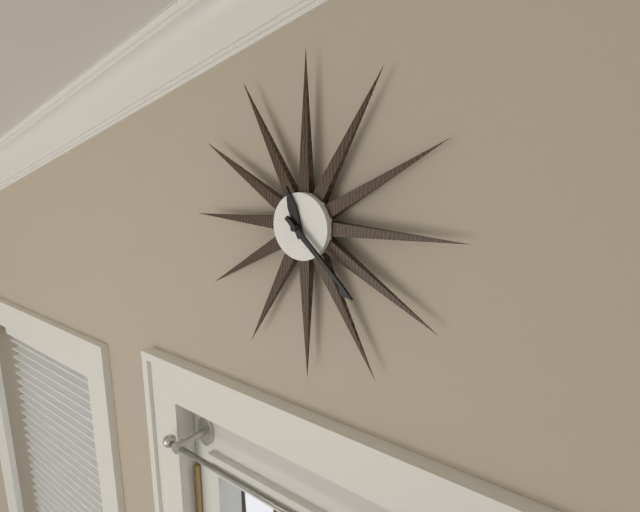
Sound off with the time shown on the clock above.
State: 11:22
